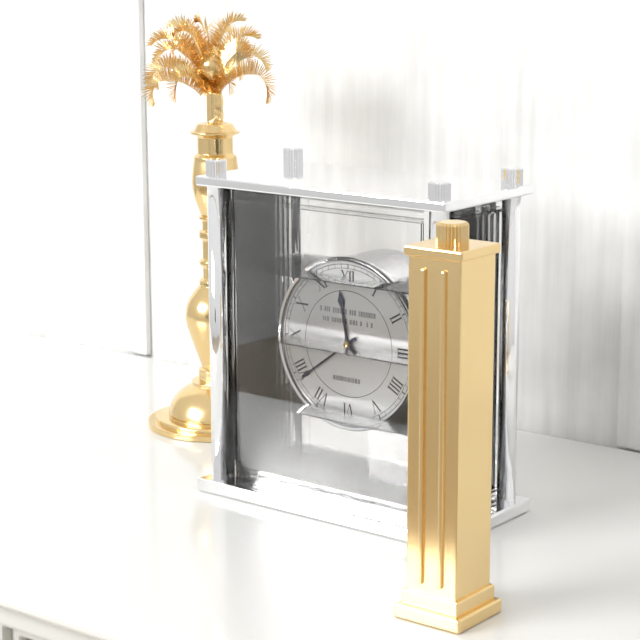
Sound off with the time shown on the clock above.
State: 11:39
